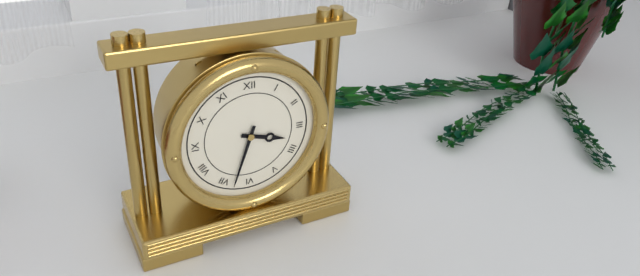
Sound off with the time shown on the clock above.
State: 3:33
